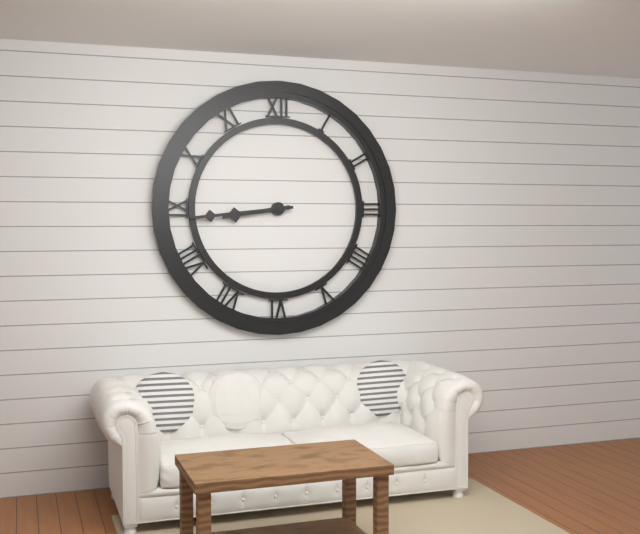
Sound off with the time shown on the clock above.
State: 8:44
